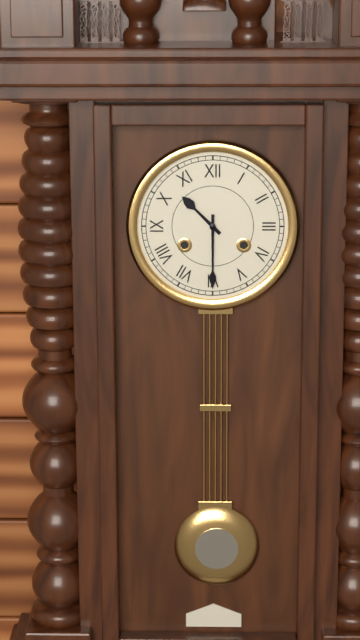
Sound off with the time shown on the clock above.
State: 10:30
